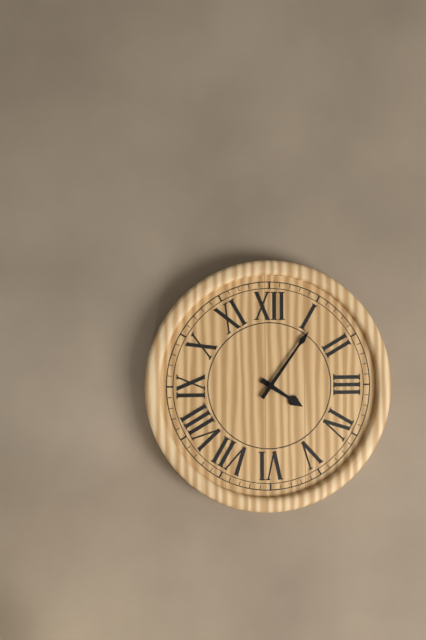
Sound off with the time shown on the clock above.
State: 4:06
